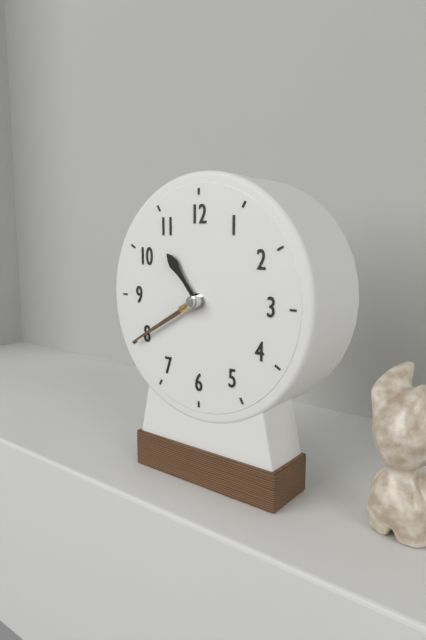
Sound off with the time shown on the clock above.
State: 10:40
